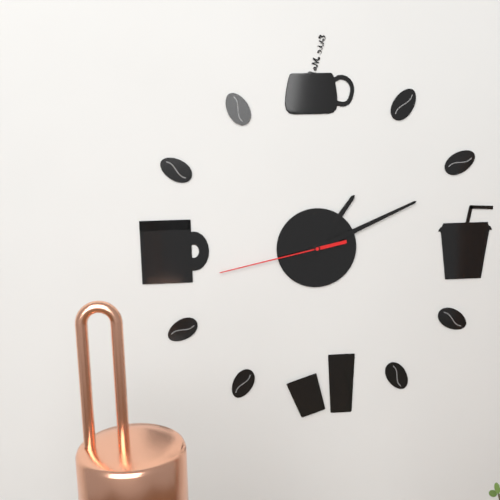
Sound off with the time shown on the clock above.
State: 1:11:43
